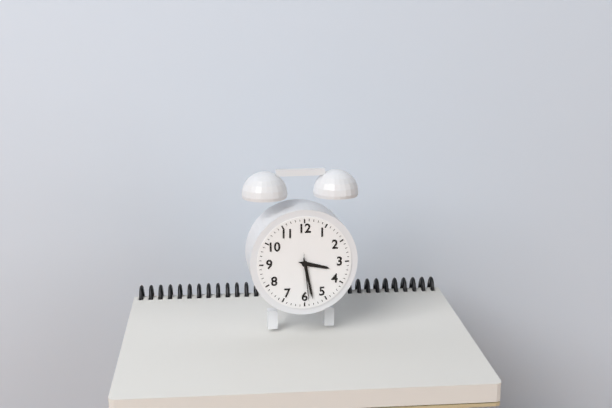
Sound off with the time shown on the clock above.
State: 3:28
